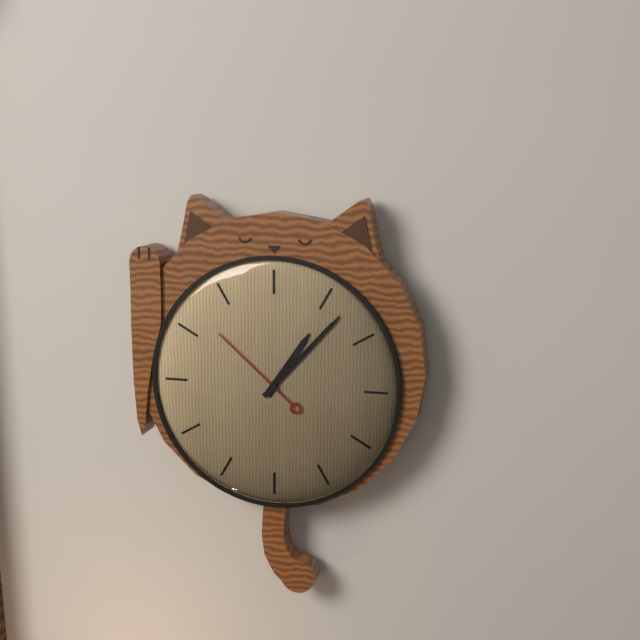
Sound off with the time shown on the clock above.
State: 1:07:52
